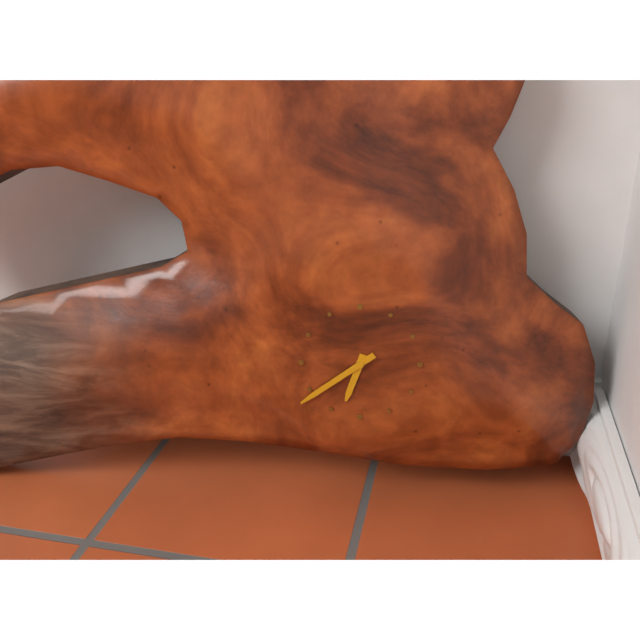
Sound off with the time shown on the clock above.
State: 6:39
